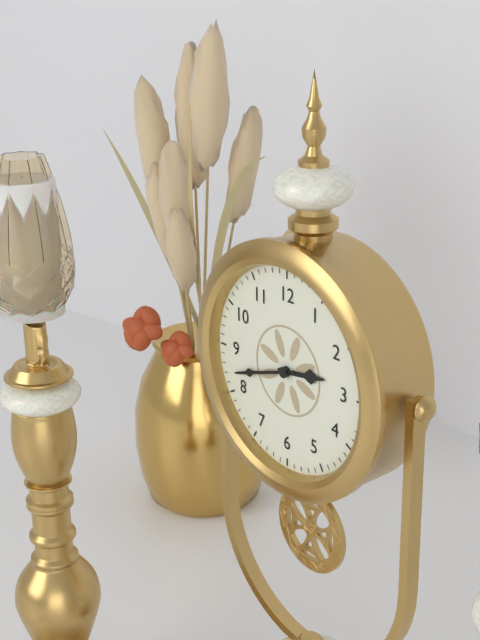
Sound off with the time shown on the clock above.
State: 2:42
